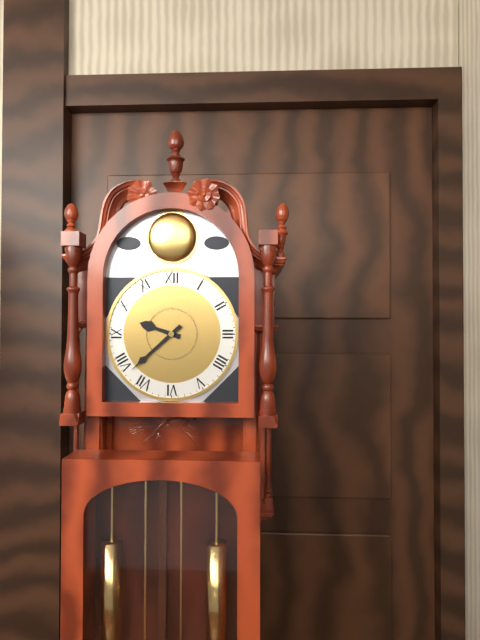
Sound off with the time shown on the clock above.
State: 9:38
